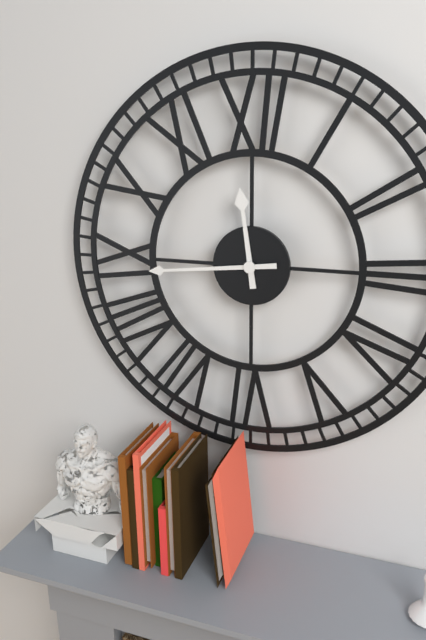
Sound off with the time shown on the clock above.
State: 11:44
